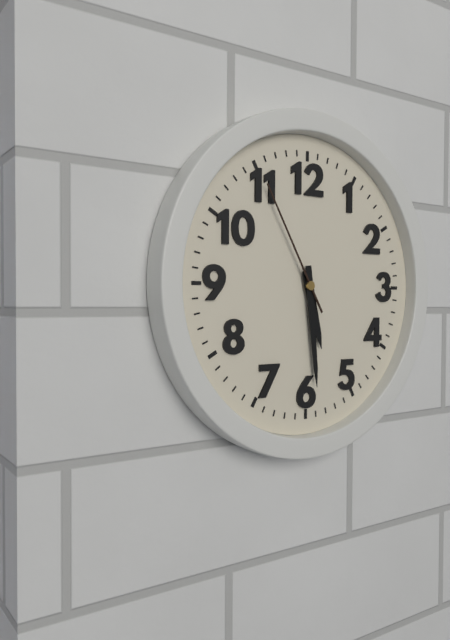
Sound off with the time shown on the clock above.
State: 5:29:55
